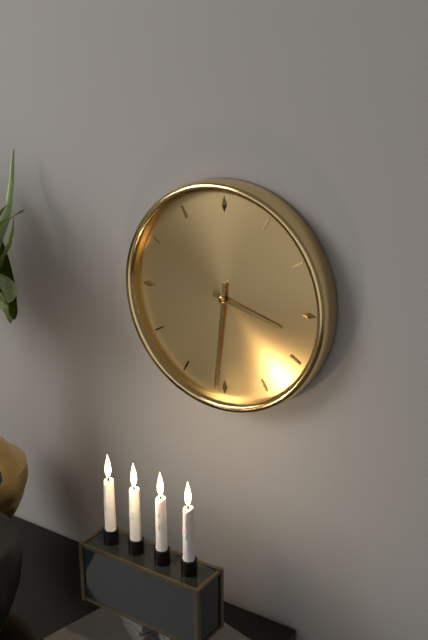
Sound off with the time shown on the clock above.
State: 3:31
